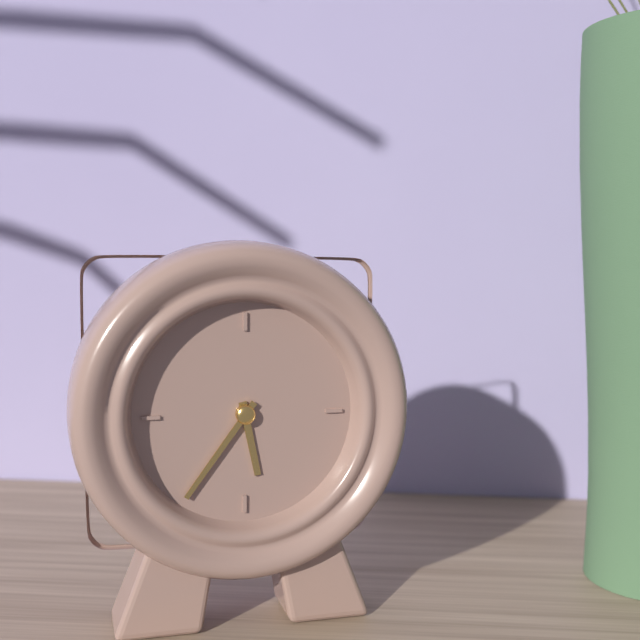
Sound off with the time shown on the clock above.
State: 5:36
